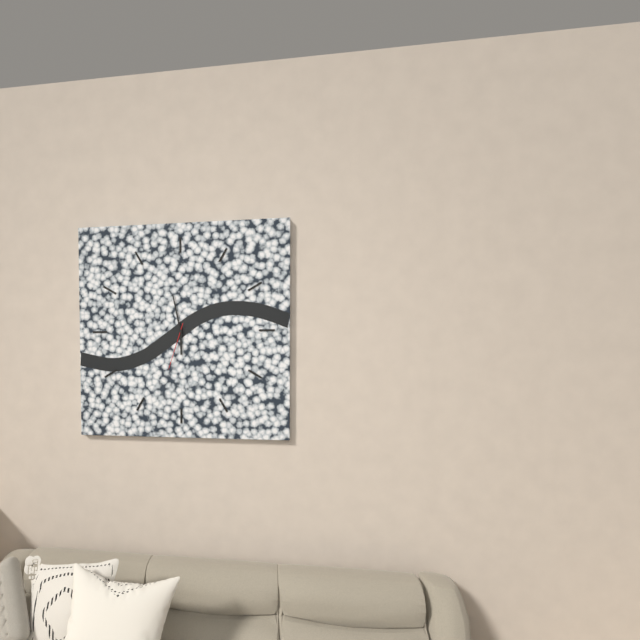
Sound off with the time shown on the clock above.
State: 5:58:33
